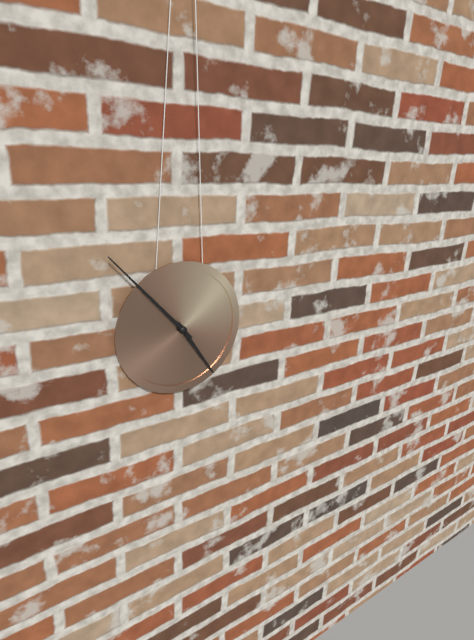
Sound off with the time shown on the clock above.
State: 4:53
